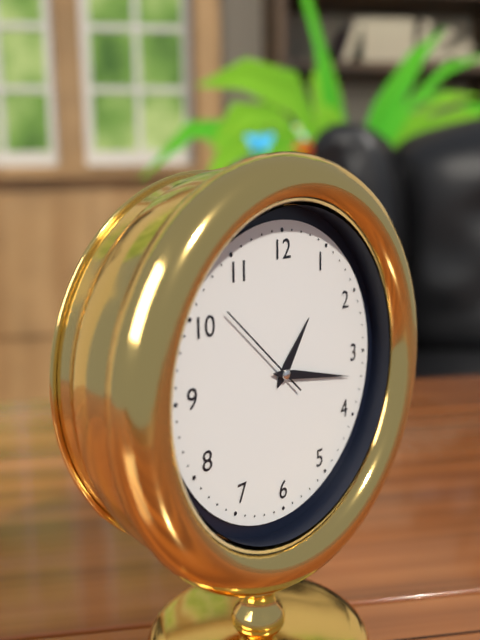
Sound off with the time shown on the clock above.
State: 1:17:52
